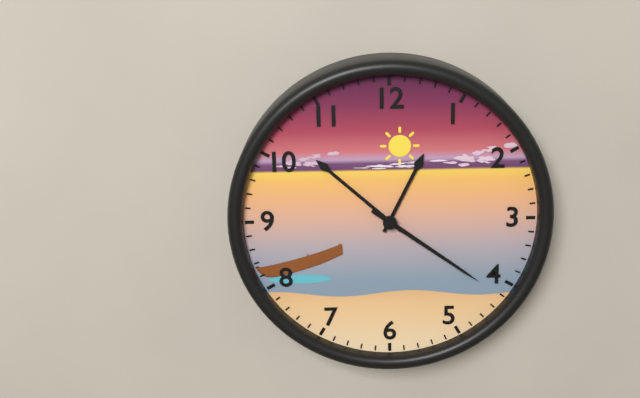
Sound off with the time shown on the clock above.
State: 12:52:21
